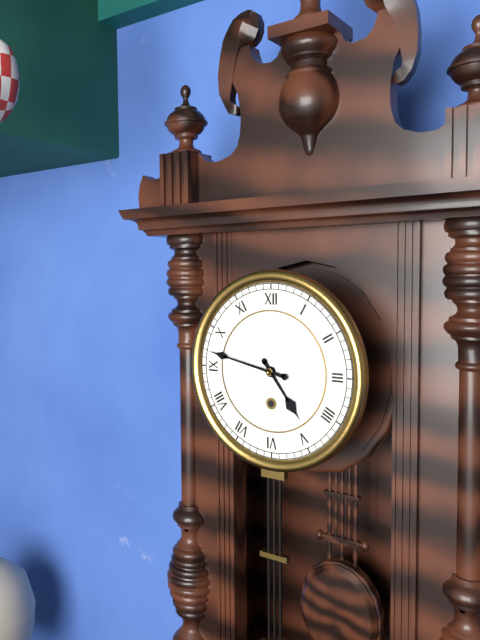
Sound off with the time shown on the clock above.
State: 4:47
